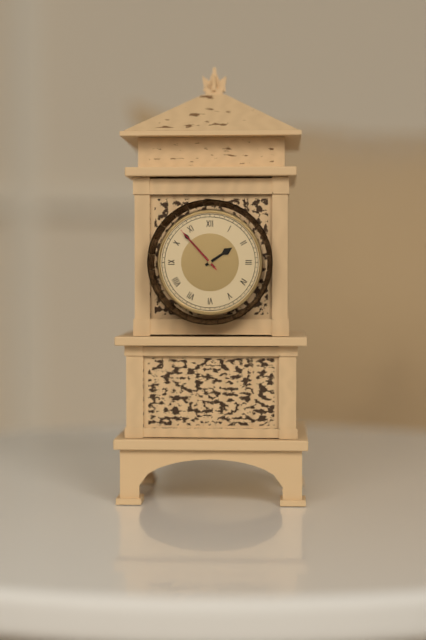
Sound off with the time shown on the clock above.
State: 1:53:53
